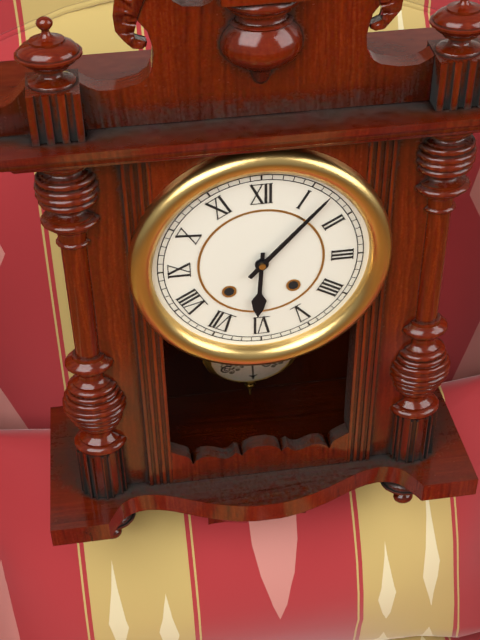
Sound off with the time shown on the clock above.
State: 6:07
